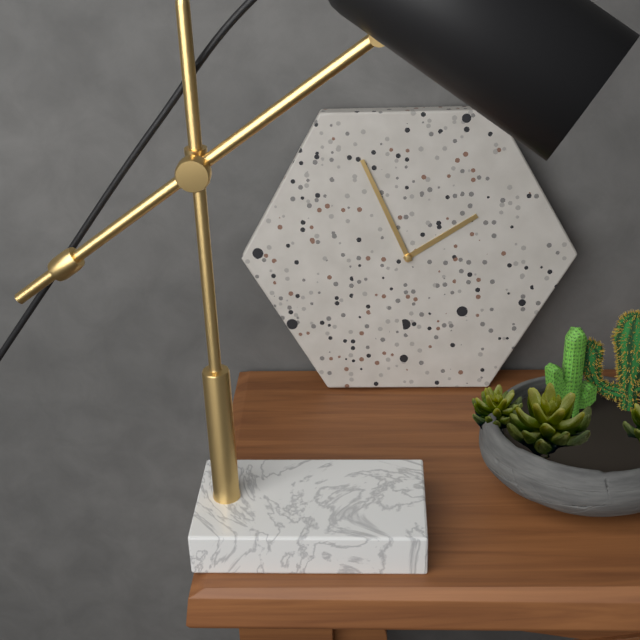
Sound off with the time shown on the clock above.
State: 1:56
